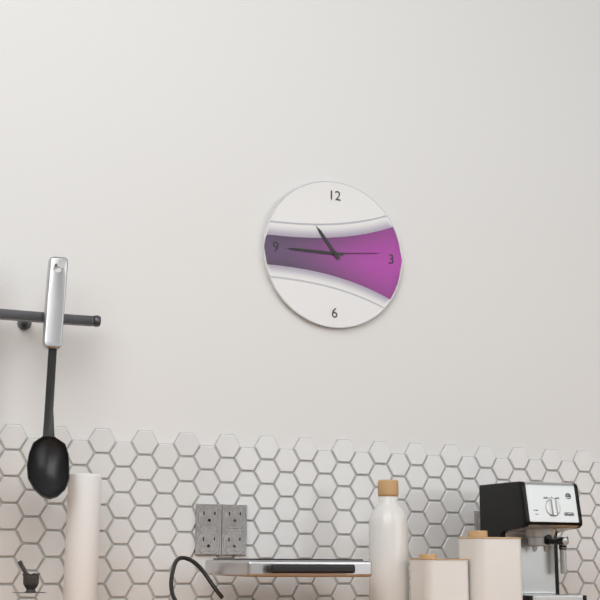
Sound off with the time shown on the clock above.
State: 10:45:14
